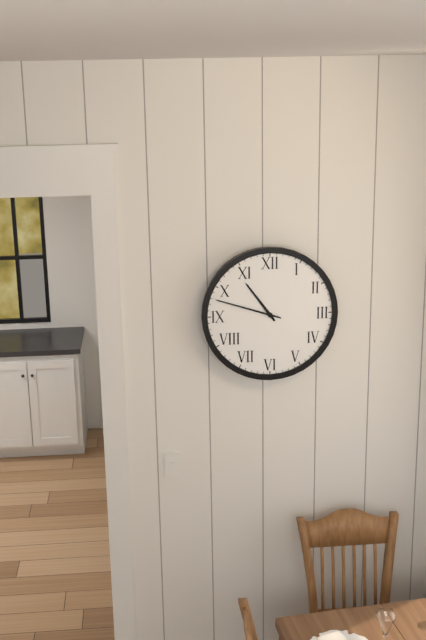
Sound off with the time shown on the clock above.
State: 10:48
